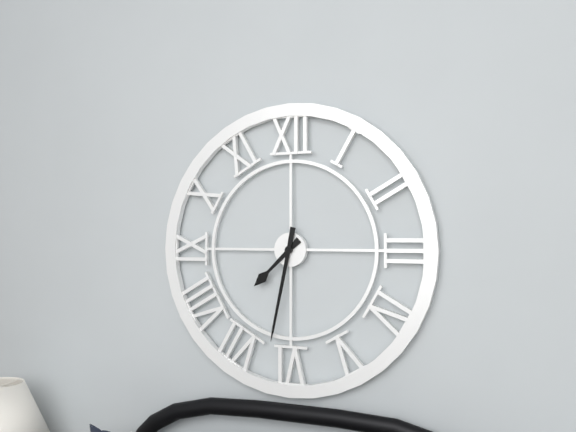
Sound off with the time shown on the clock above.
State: 7:32
